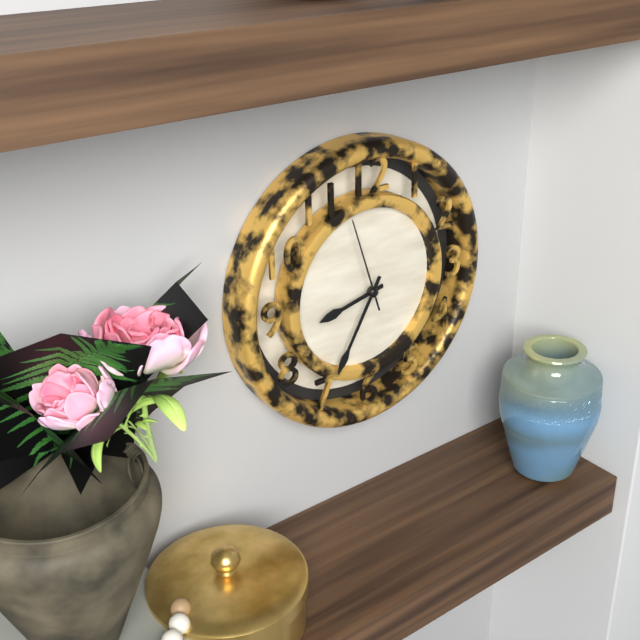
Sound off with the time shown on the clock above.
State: 8:35:57
